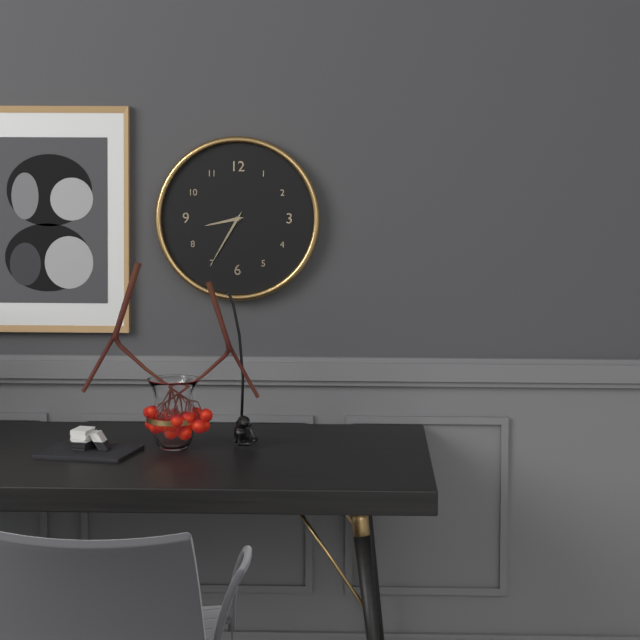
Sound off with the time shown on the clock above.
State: 8:35
